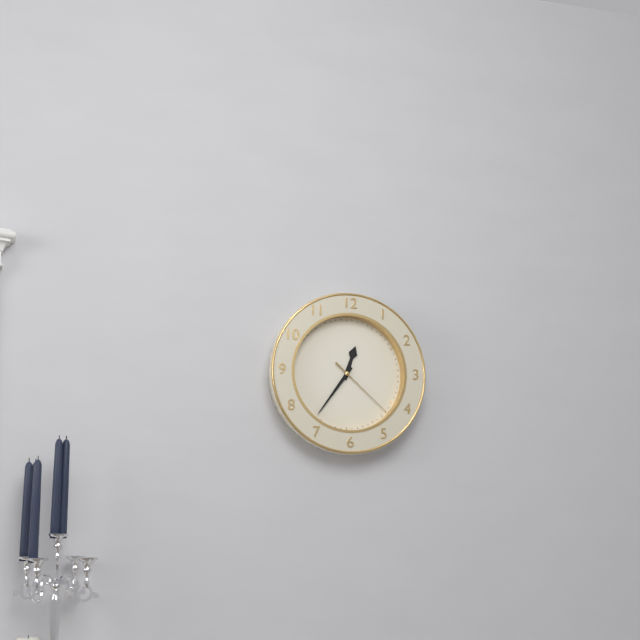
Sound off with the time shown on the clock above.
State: 12:36:22
